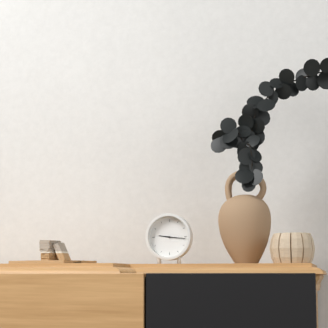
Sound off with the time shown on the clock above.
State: 9:16
